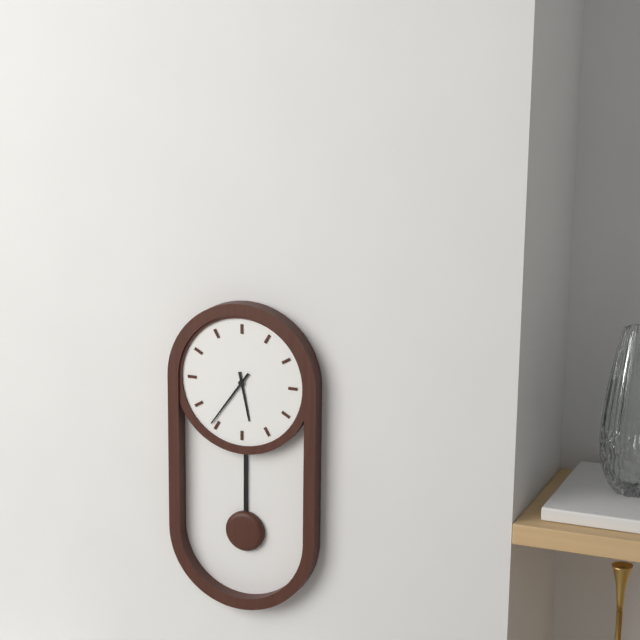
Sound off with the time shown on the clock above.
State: 5:36
